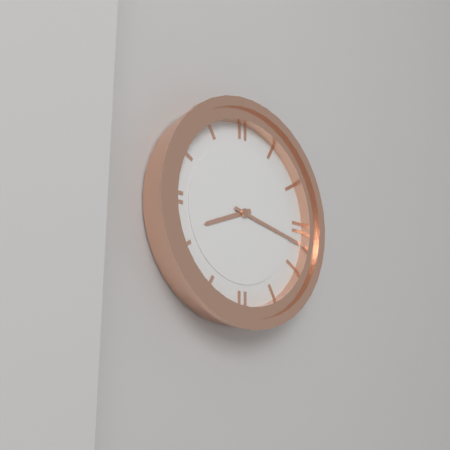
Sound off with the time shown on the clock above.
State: 8:17
